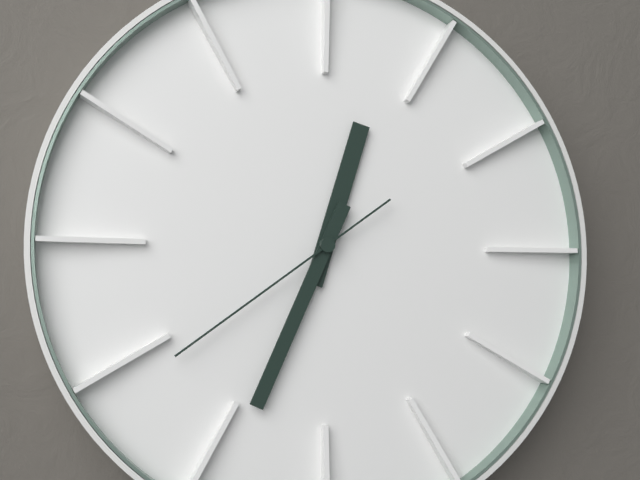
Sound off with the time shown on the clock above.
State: 12:34:39
